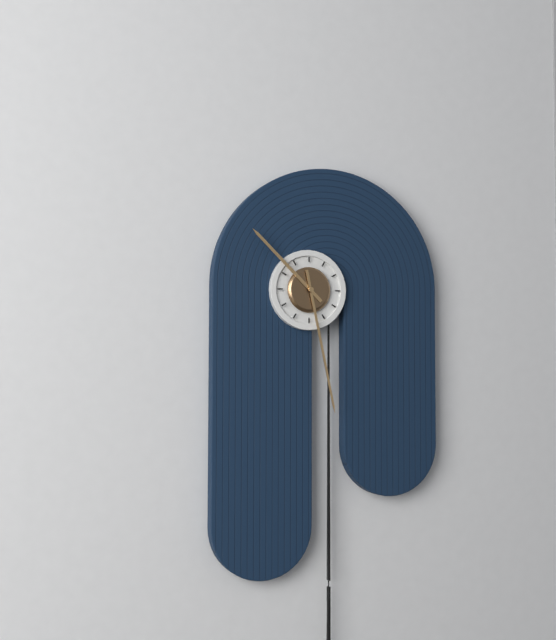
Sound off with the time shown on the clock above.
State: 10:28
